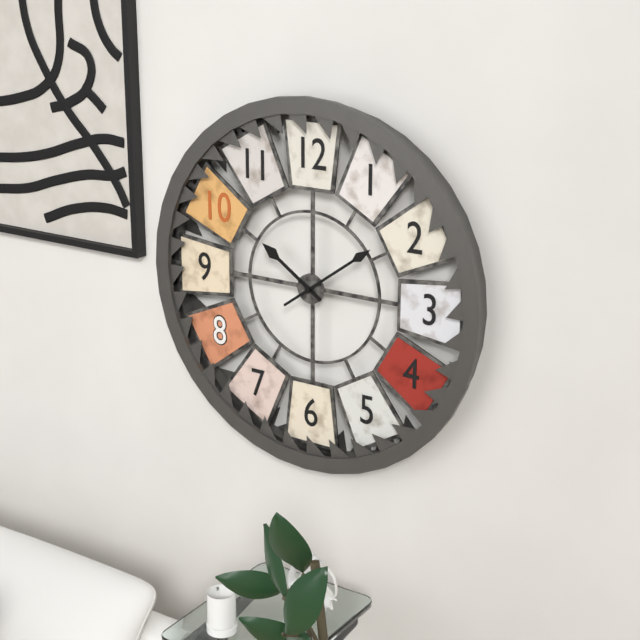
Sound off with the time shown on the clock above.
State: 10:09
